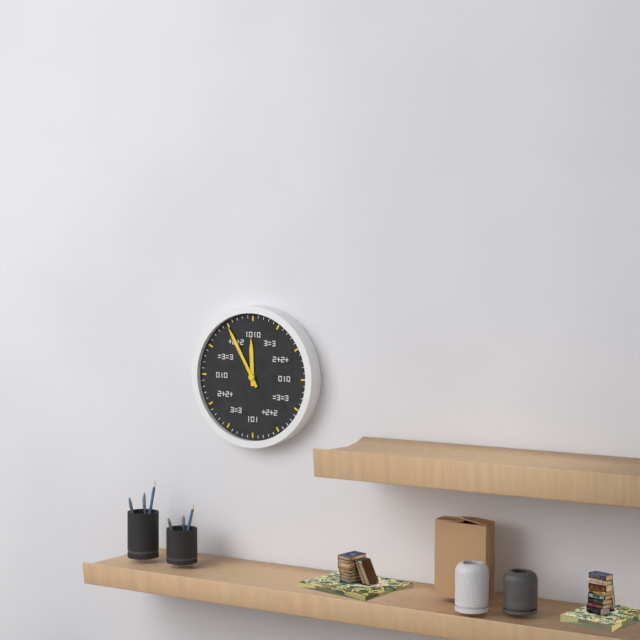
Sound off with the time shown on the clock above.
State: 11:55
